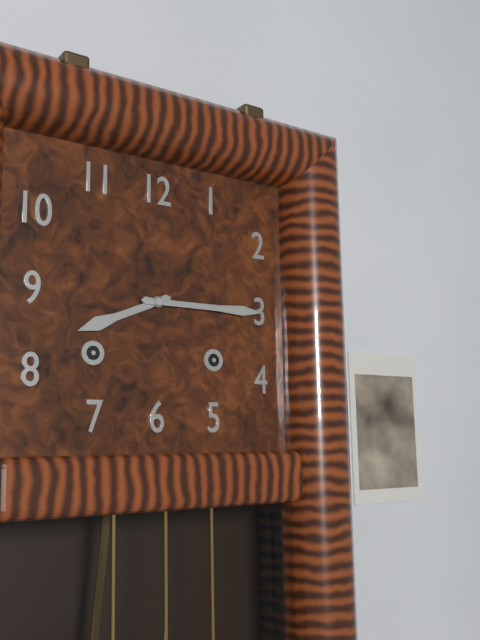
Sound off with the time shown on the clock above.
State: 8:15
